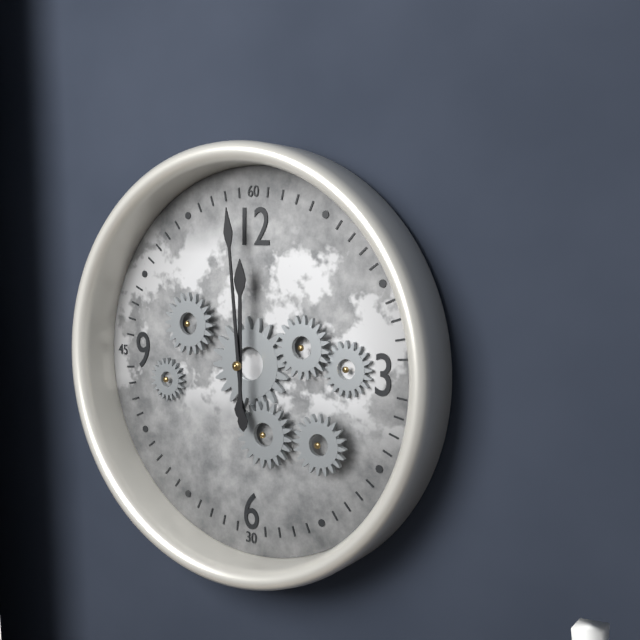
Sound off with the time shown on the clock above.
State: 11:59
